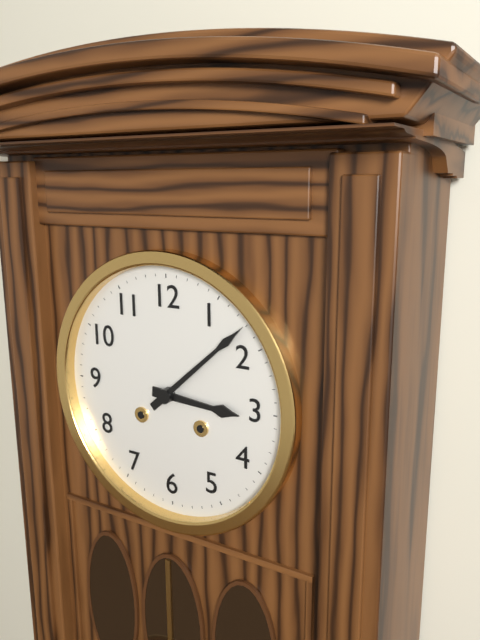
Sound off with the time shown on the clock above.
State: 3:08
